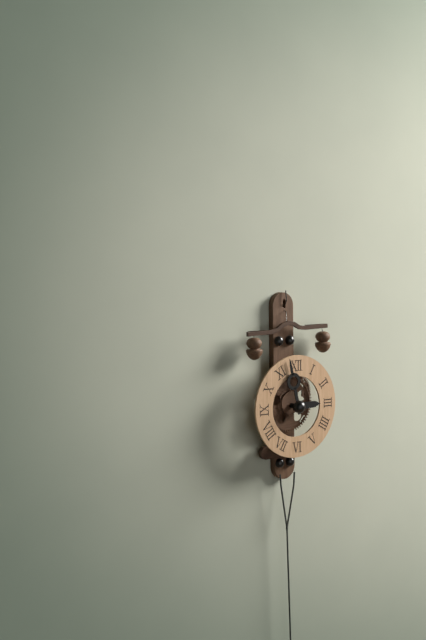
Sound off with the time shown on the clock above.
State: 2:58
